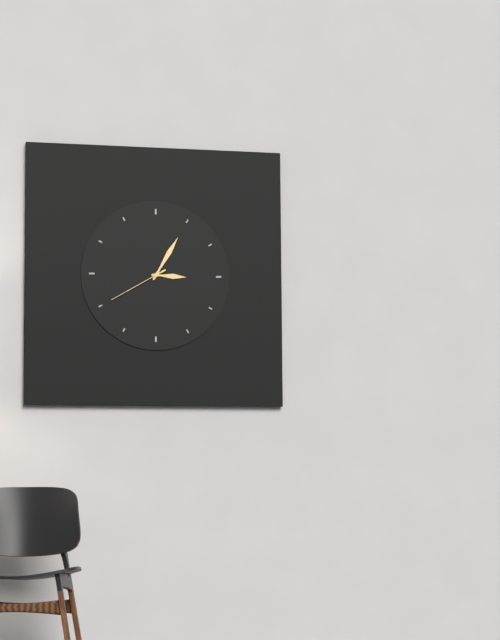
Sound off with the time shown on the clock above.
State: 3:05:40
